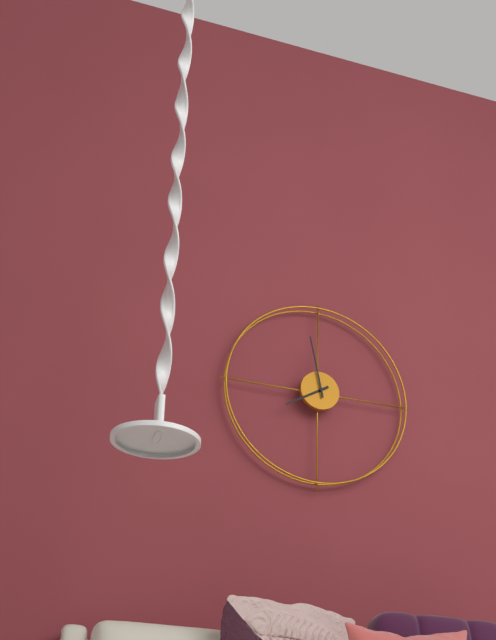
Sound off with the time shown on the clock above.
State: 7:58
